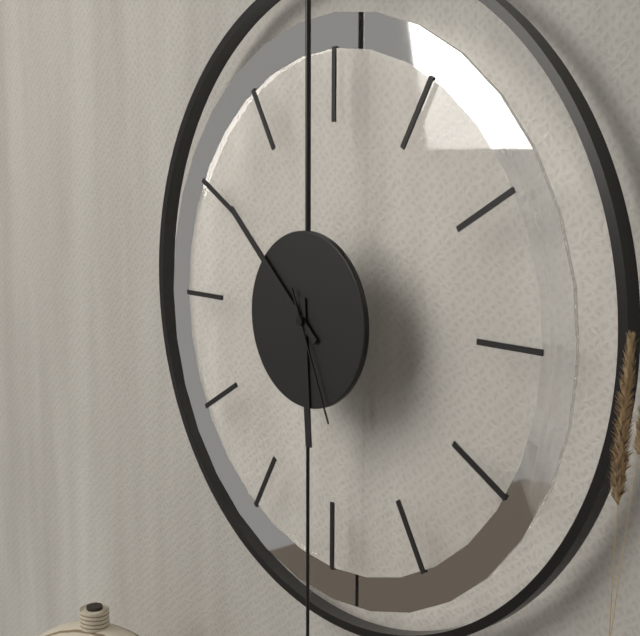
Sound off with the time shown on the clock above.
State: 5:52:26
